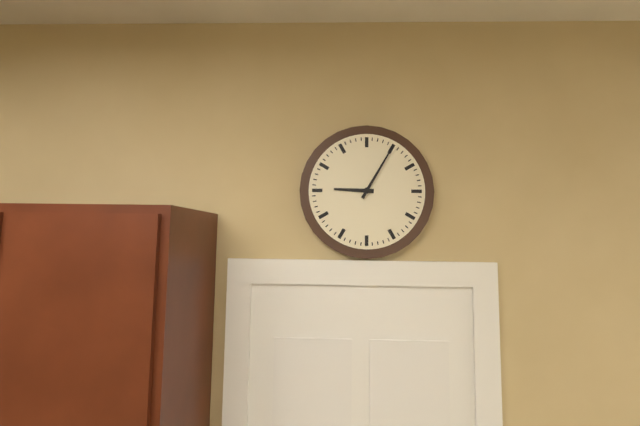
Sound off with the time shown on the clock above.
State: 9:05
